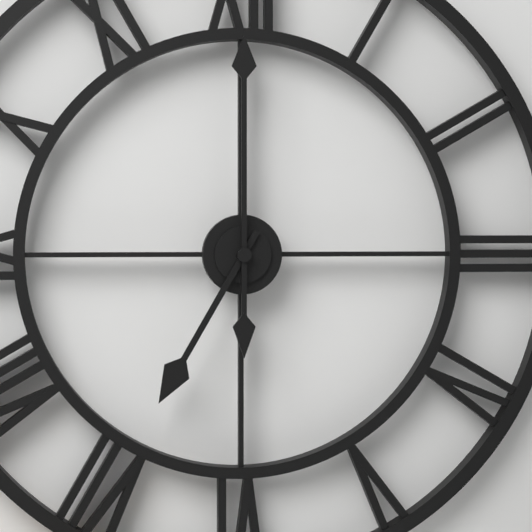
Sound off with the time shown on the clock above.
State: 7:00
